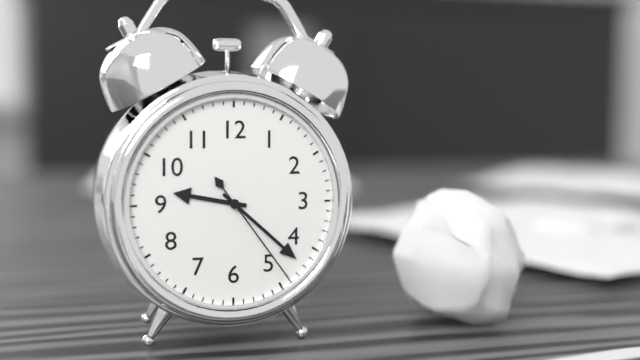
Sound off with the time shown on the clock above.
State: 9:22:24
